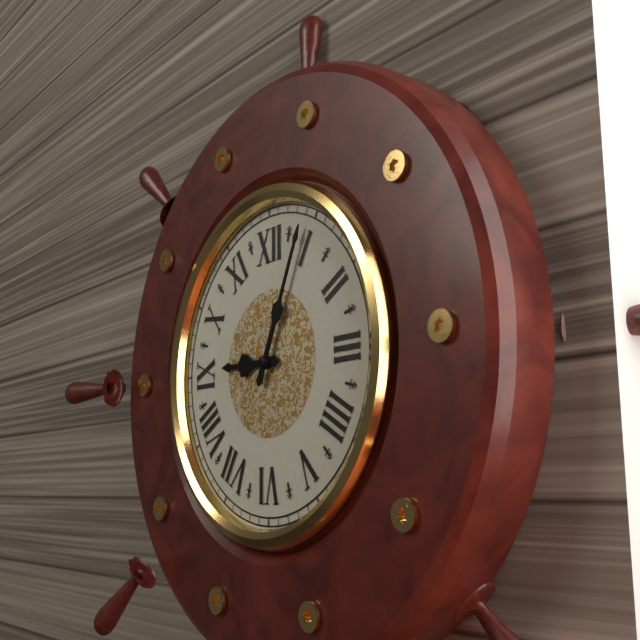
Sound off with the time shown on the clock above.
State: 9:04
